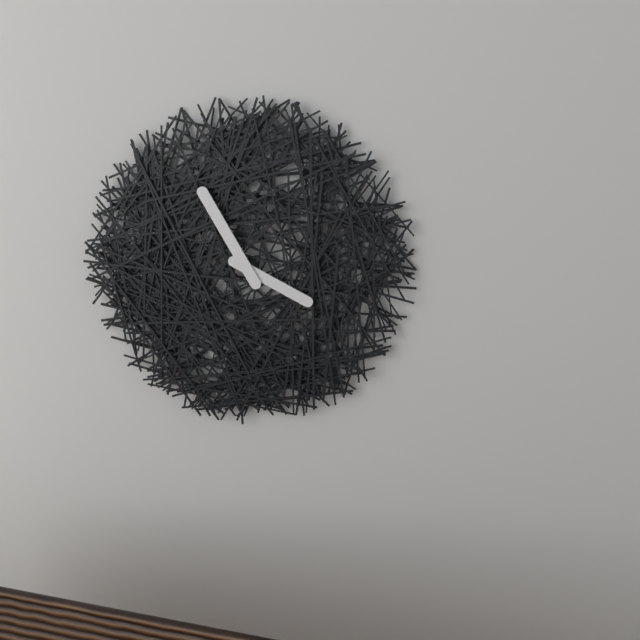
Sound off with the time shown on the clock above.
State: 3:55
